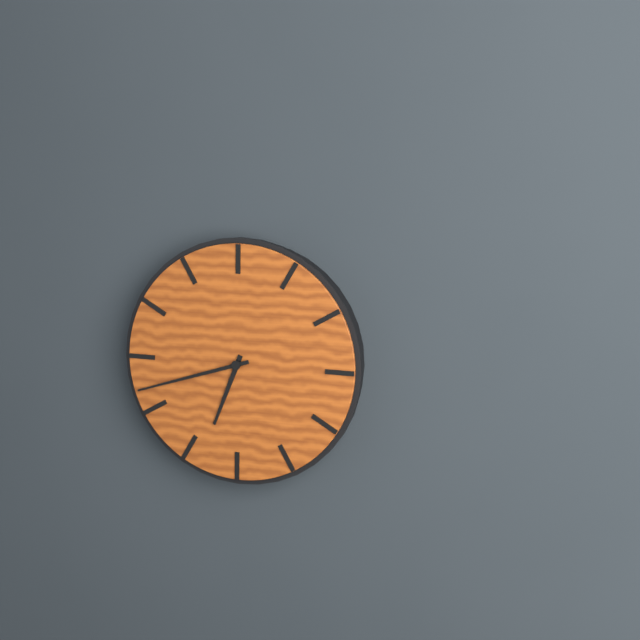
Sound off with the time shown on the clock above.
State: 6:42
